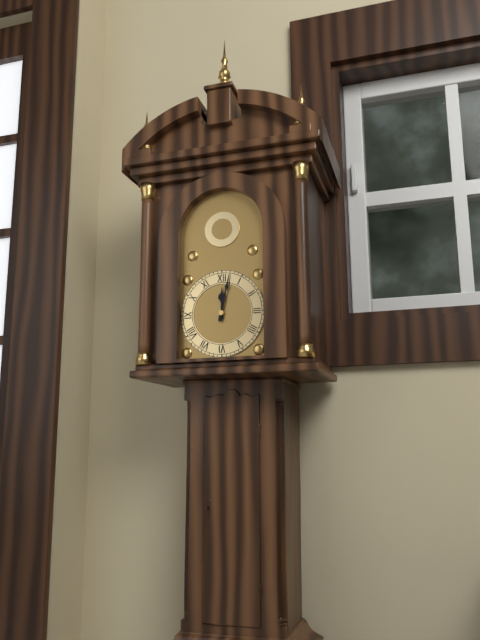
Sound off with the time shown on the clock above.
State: 12:02
